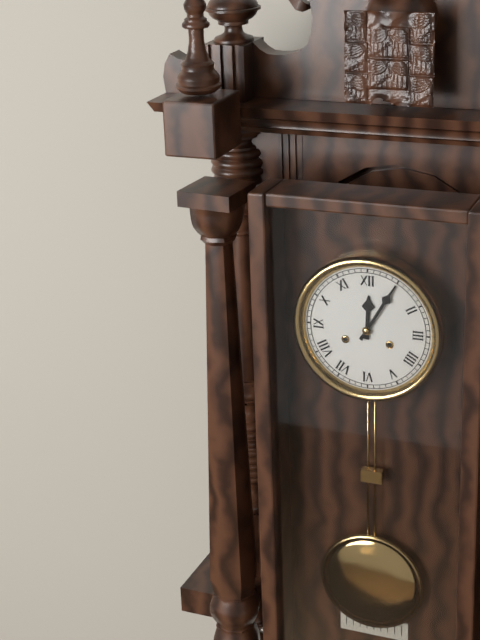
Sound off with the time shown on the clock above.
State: 12:05
